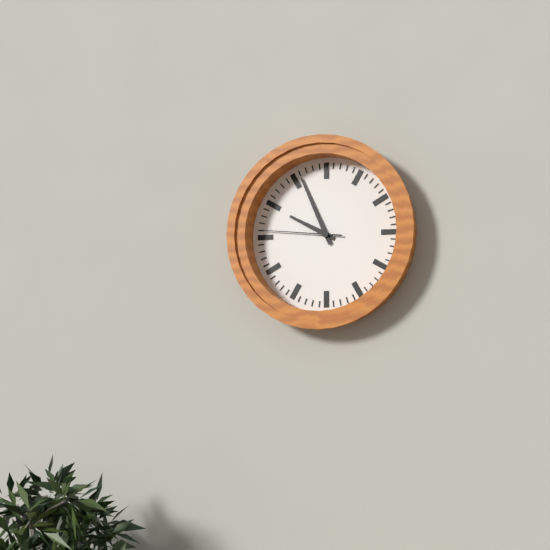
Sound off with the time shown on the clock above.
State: 9:56:46
